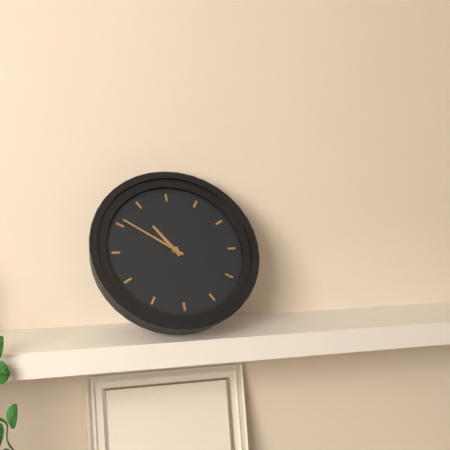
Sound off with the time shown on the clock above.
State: 10:51
